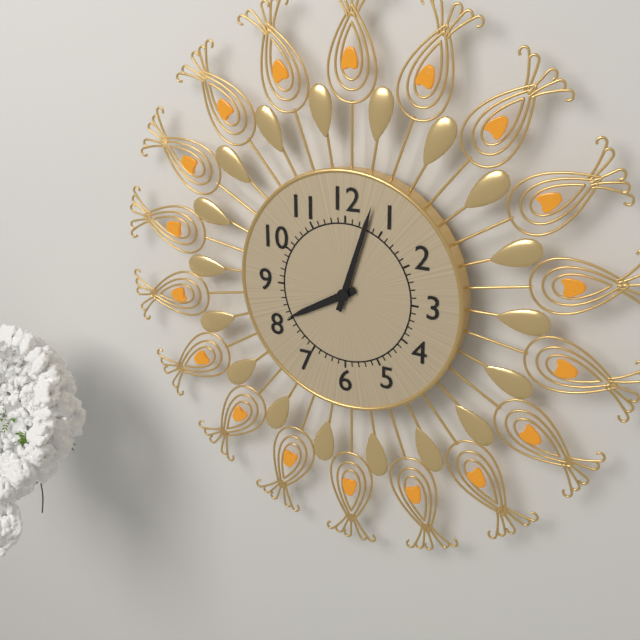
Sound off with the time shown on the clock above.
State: 8:03
